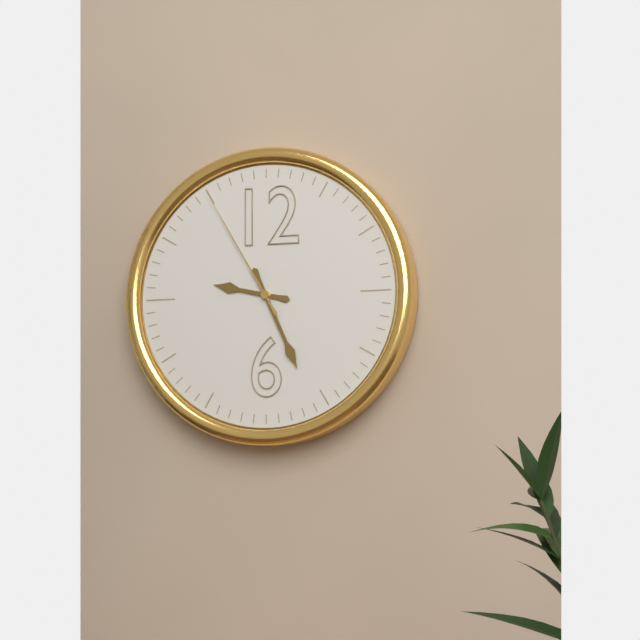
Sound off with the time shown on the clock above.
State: 9:26:55
